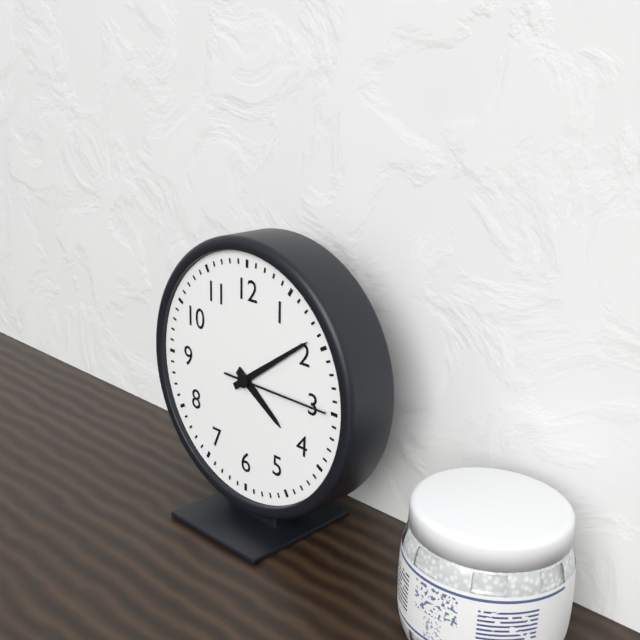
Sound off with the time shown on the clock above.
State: 4:09:15
